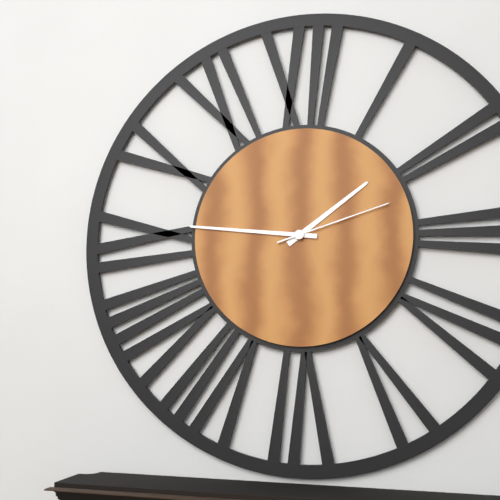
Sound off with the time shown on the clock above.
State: 1:46:12
